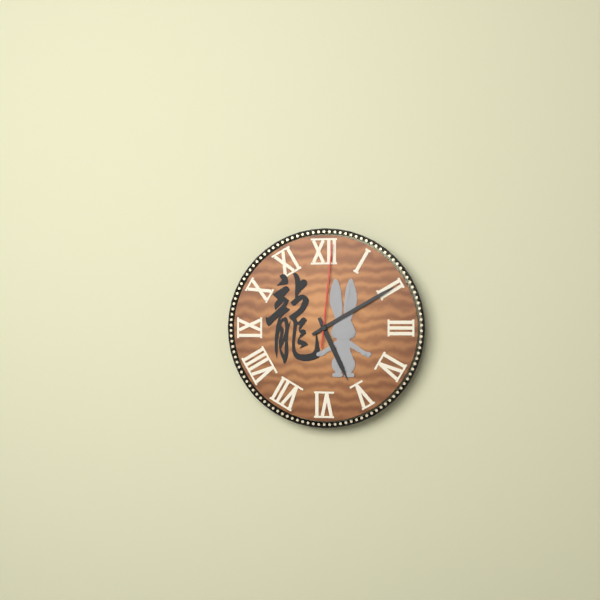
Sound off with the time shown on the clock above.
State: 5:10:01
